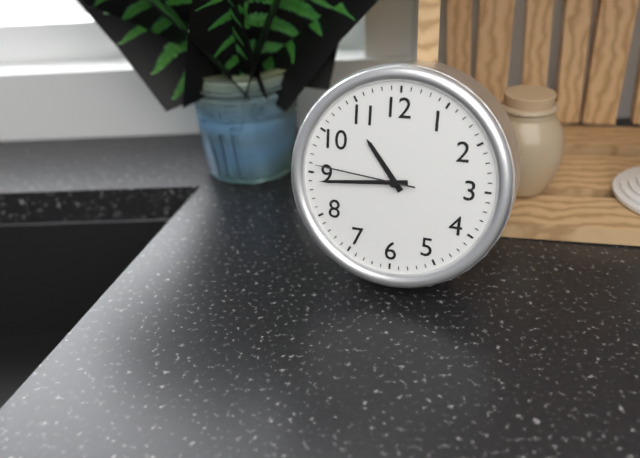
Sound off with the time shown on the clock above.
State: 10:44:46
